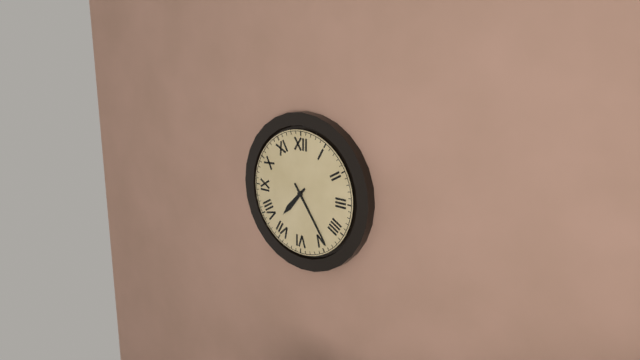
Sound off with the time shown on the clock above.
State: 7:24
